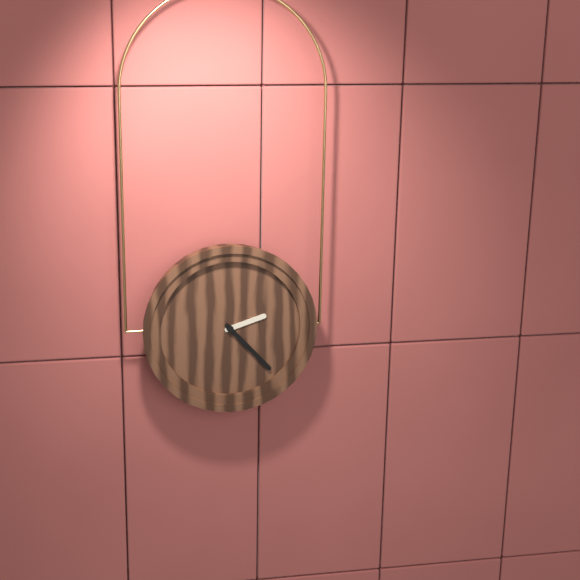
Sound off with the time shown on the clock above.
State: 2:23
